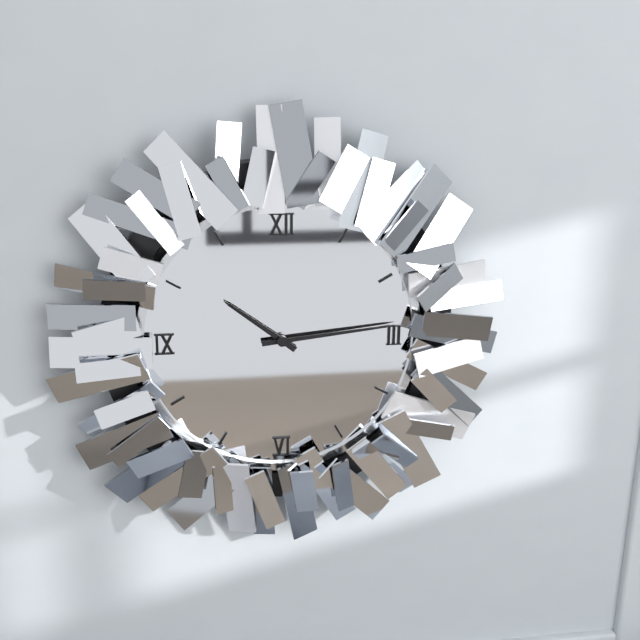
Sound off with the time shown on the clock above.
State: 10:14
